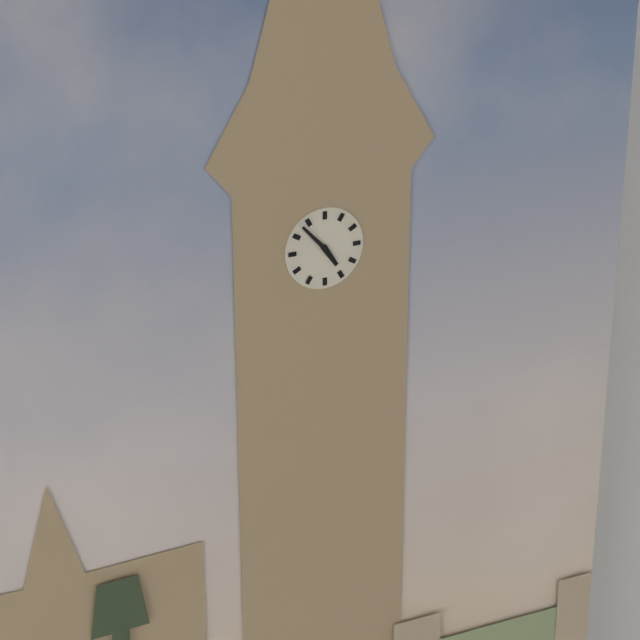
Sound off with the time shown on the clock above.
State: 4:53
